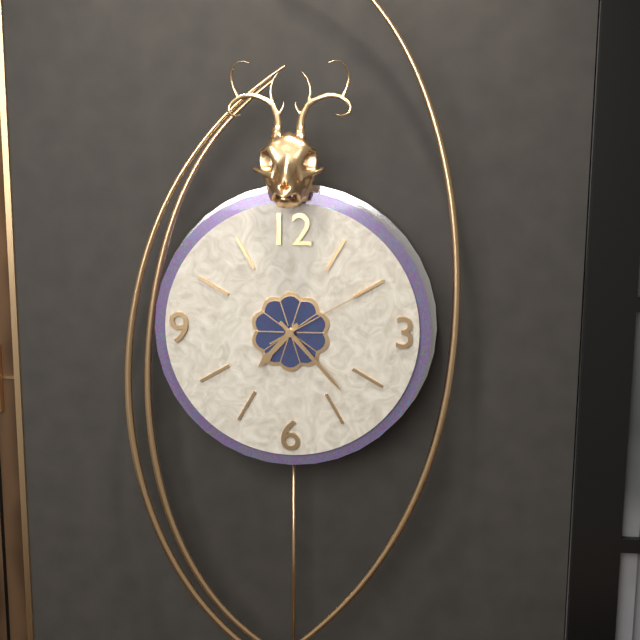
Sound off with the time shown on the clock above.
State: 7:23:10
